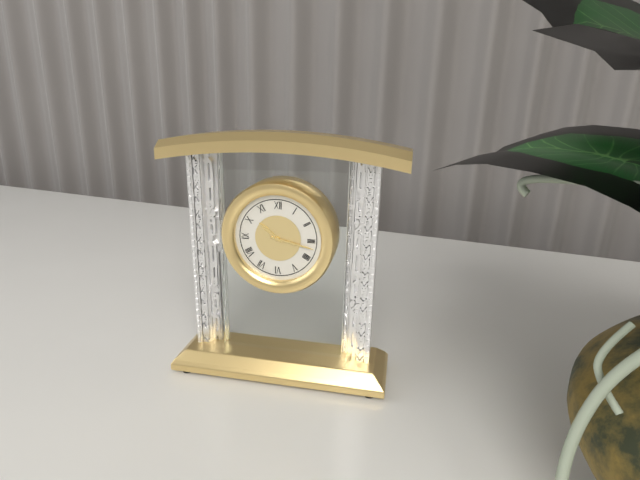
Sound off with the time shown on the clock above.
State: 10:17
